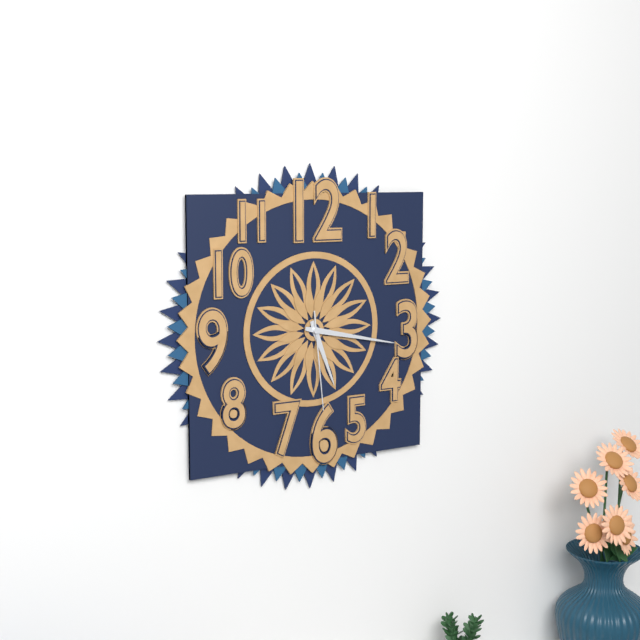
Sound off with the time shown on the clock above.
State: 5:17:29
